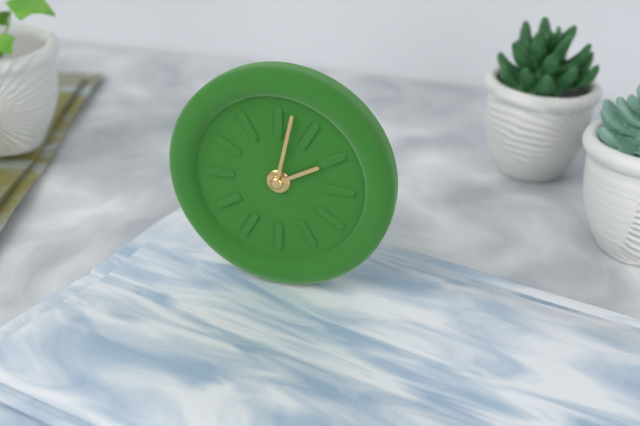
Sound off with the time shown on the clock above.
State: 2:02
